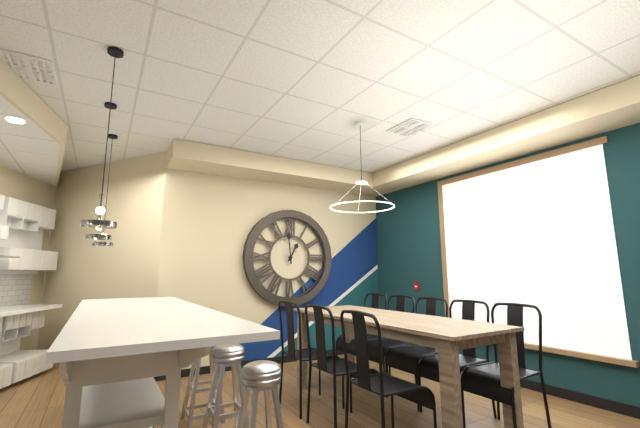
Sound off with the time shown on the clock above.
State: 12:59
